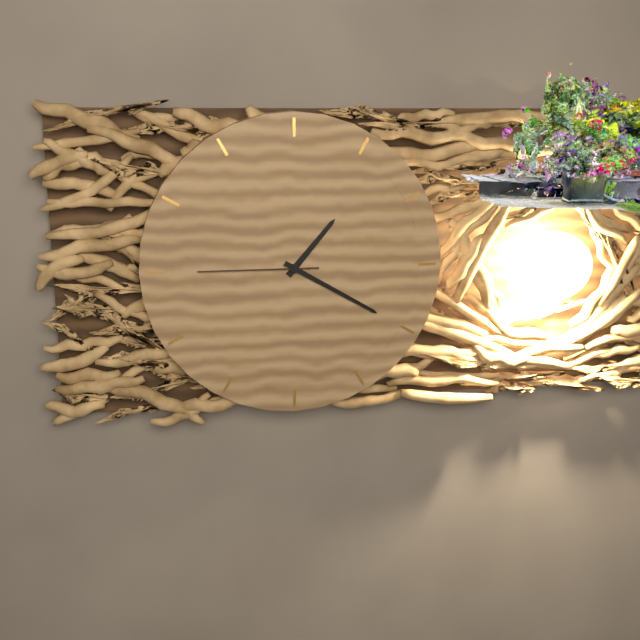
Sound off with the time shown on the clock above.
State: 1:20:45
